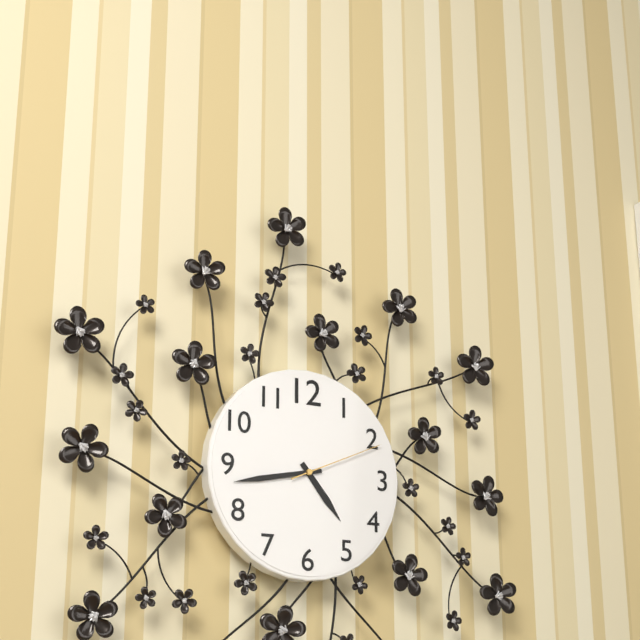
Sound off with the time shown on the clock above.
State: 4:43:11
